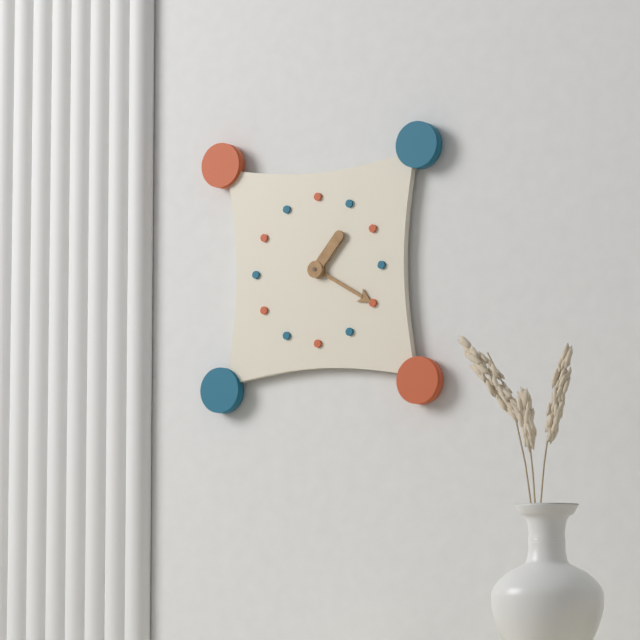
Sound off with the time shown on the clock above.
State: 1:20
